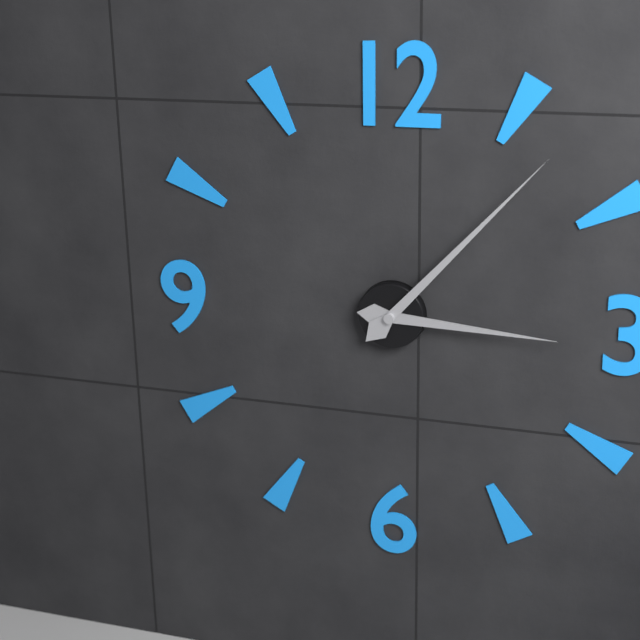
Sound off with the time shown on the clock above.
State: 3:07
